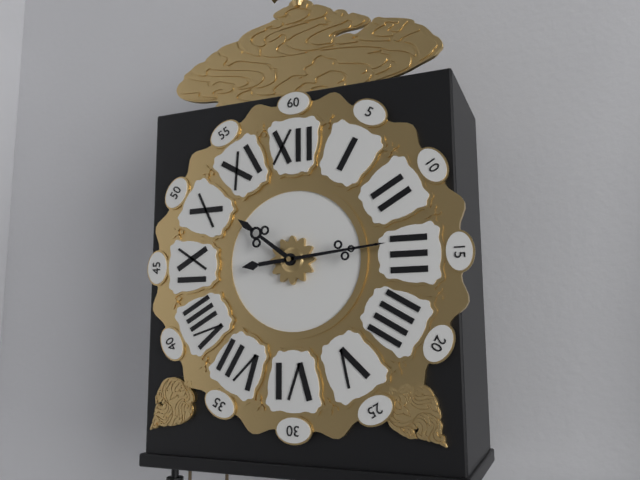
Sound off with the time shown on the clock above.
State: 10:14
